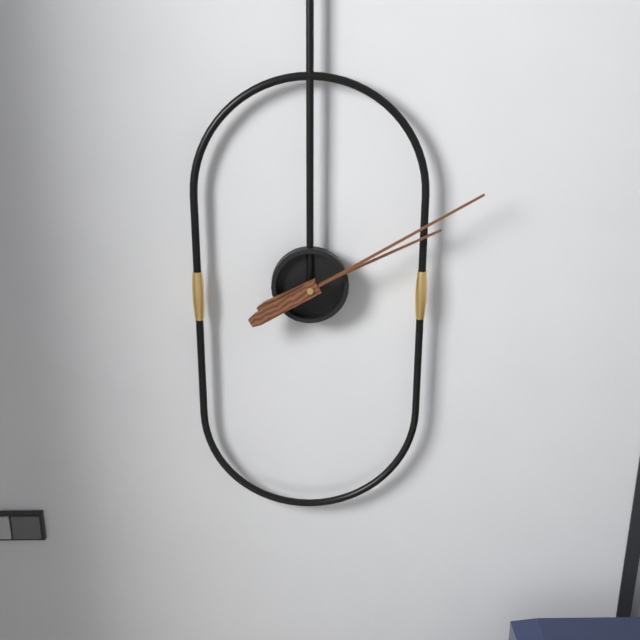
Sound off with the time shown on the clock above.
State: 2:10
